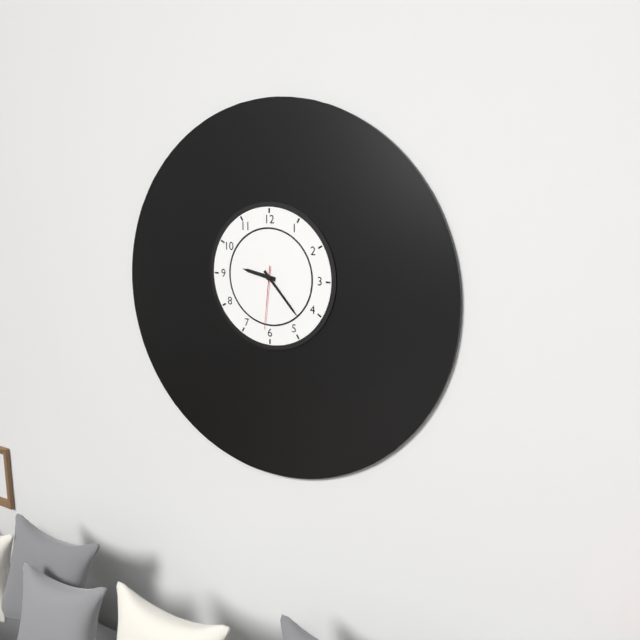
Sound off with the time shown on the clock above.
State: 9:23:31
